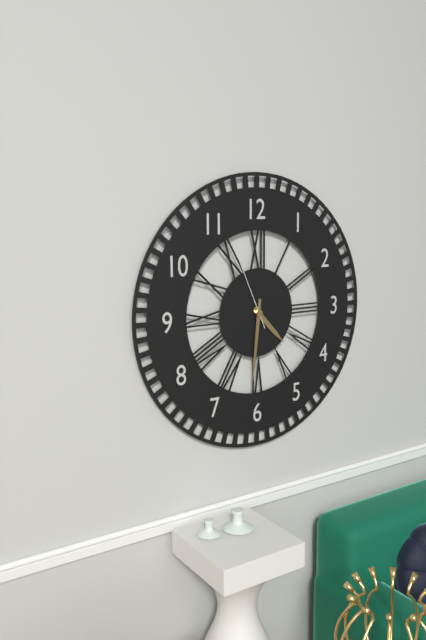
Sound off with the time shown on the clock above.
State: 4:31:56
